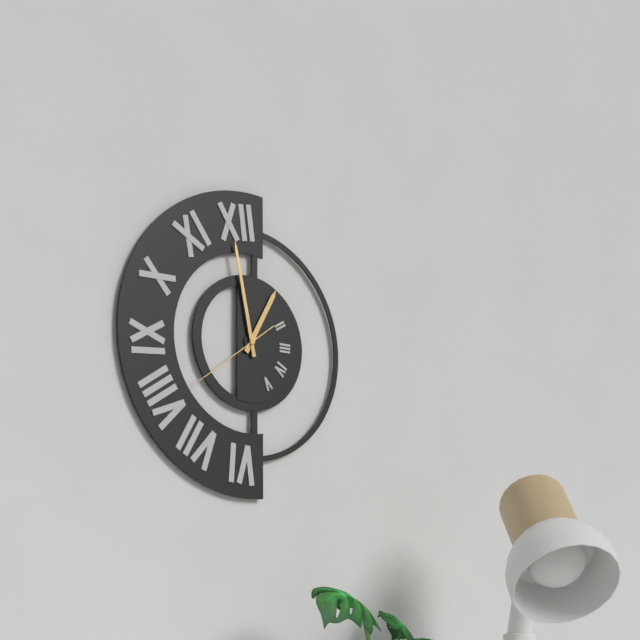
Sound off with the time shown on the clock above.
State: 12:58:39
